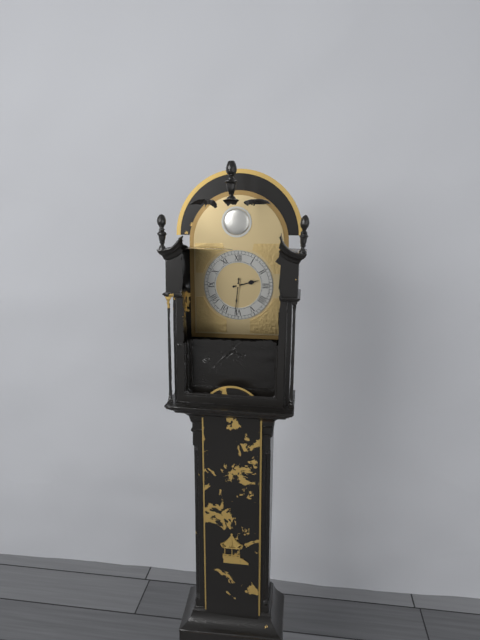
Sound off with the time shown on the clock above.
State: 2:31
